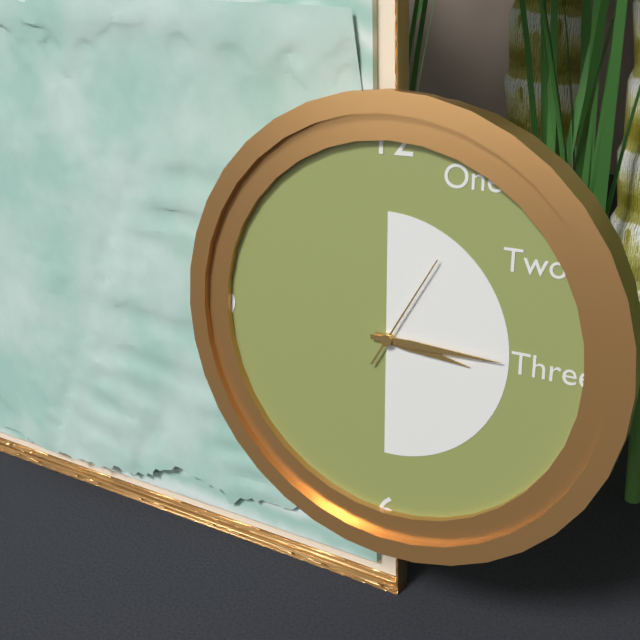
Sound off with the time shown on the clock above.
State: 3:15:05
